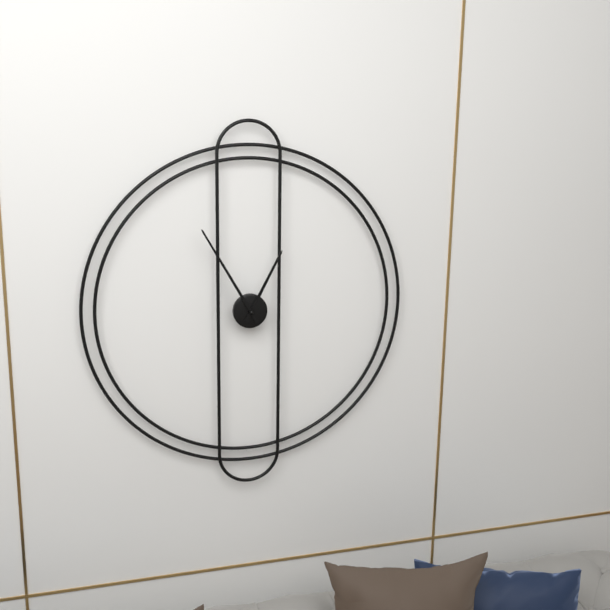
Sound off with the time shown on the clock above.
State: 12:55
